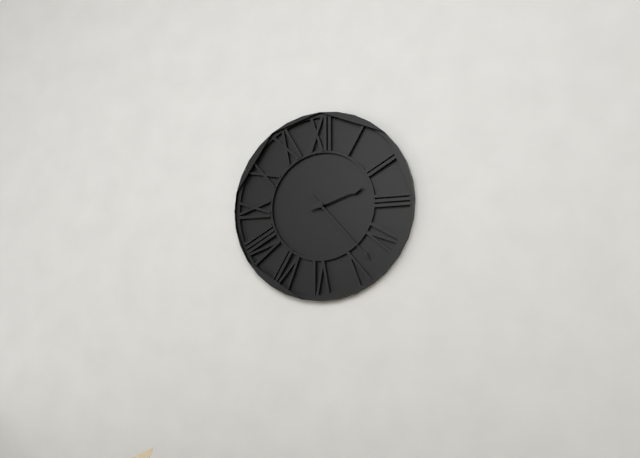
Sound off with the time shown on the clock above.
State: 2:23
